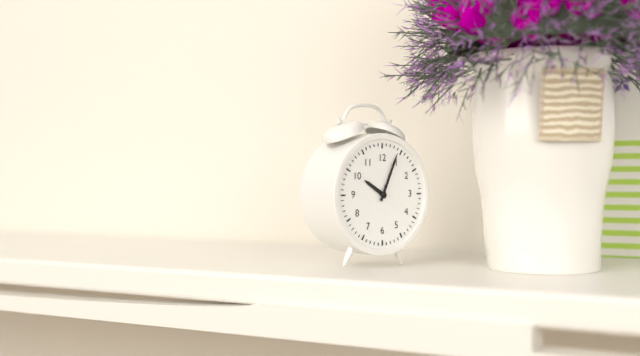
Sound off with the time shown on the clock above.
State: 10:04
